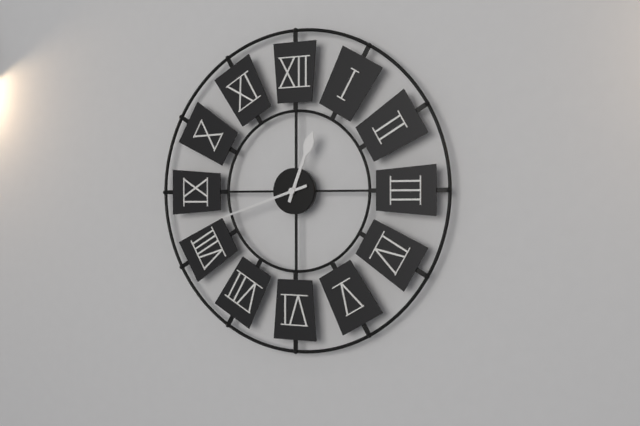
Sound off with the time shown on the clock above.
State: 12:42
